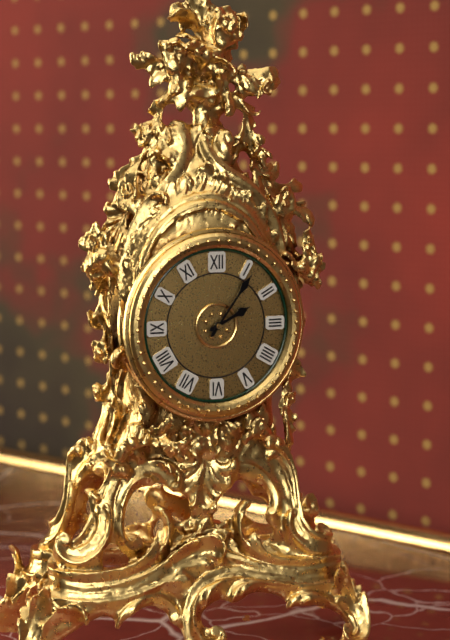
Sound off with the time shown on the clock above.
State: 2:06
